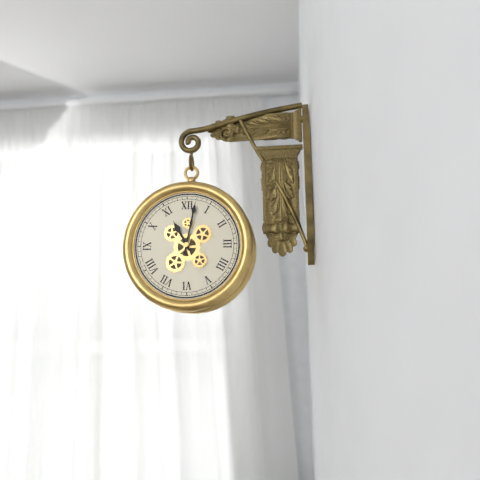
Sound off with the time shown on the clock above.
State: 11:02
